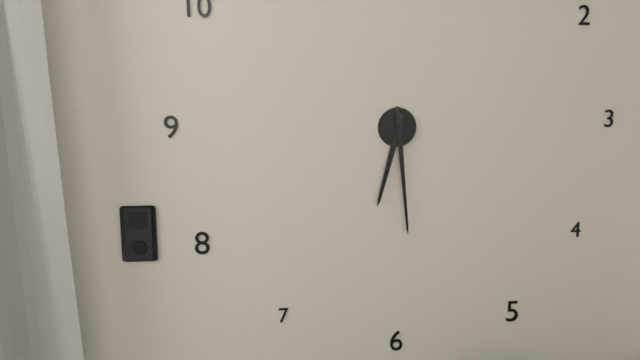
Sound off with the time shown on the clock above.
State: 6:29
